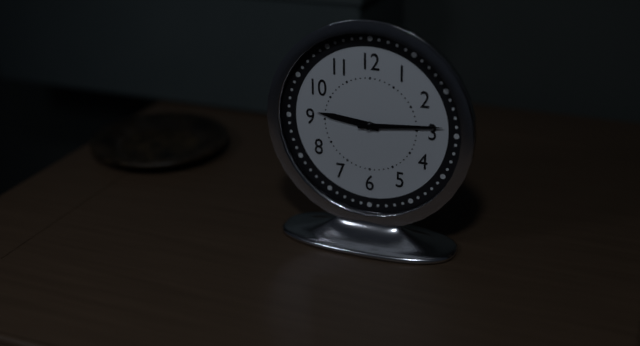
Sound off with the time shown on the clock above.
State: 9:14
